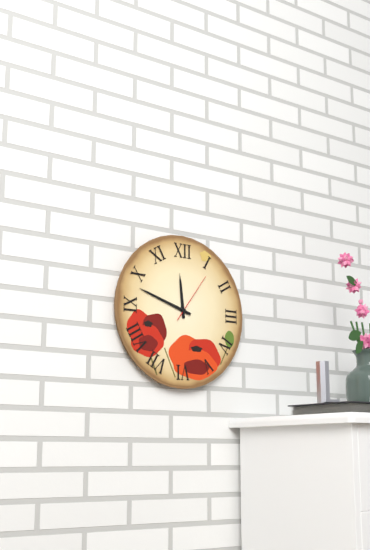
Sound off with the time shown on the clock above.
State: 11:48:06
